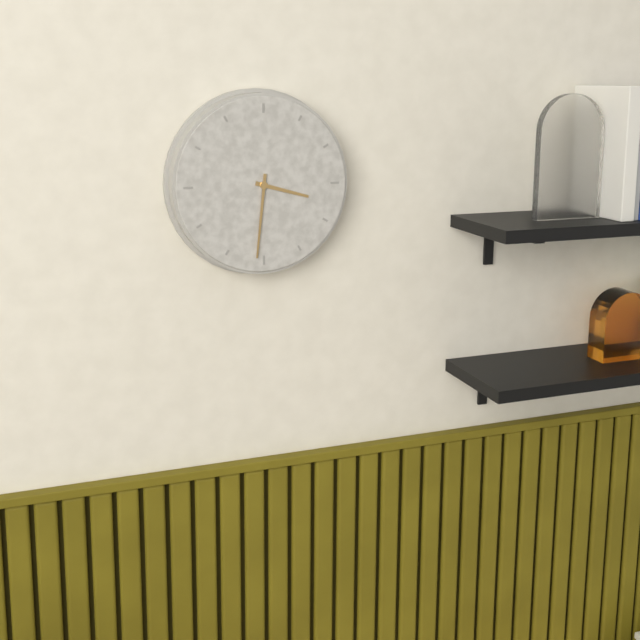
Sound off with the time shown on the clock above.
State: 3:31
